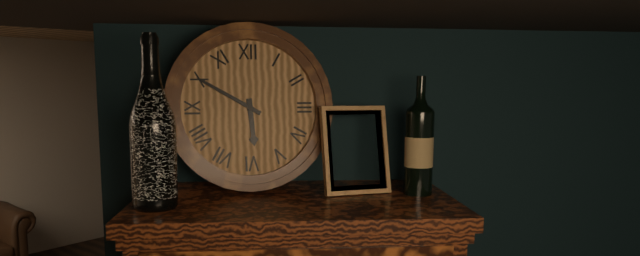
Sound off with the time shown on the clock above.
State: 5:50
